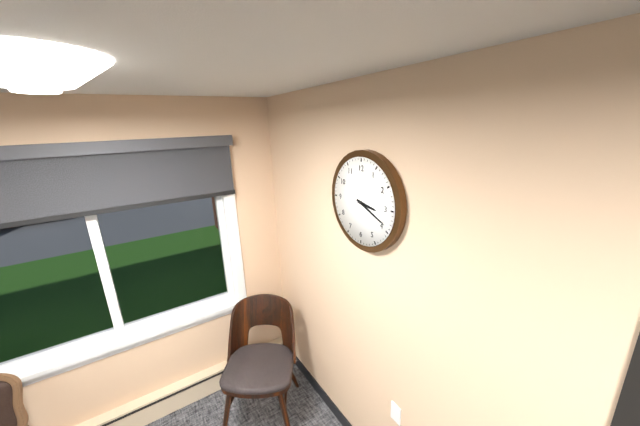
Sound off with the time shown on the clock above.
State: 3:19
